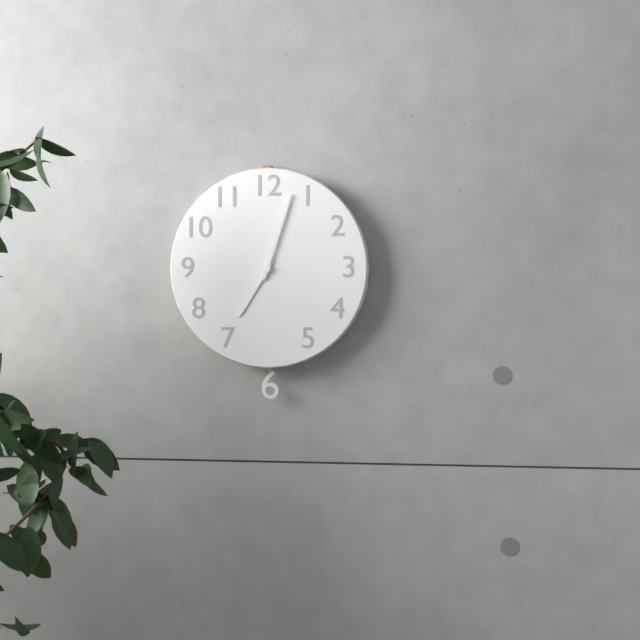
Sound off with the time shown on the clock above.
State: 7:03
